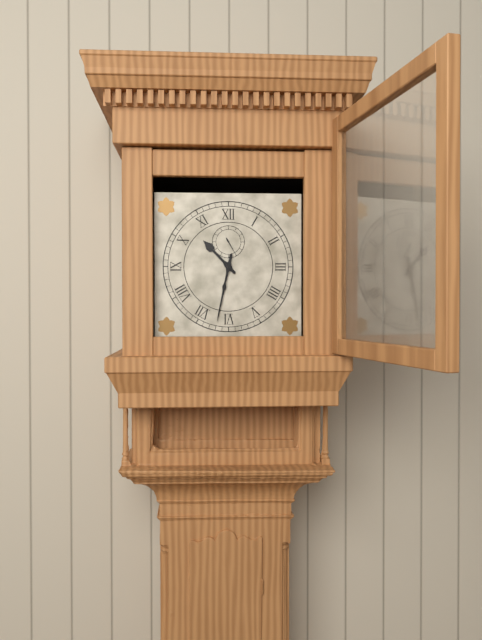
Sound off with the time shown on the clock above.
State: 10:32
